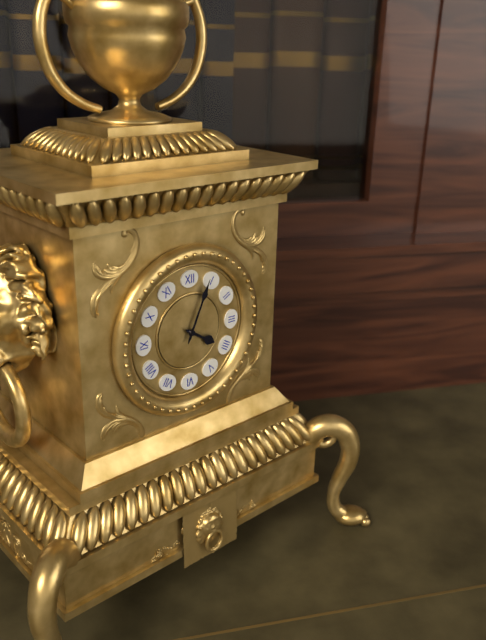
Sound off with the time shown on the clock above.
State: 4:04
